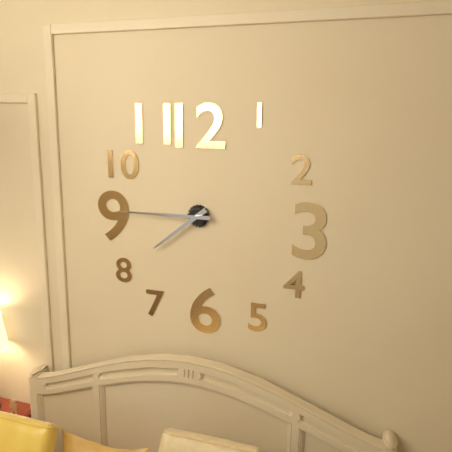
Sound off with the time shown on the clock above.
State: 7:45
